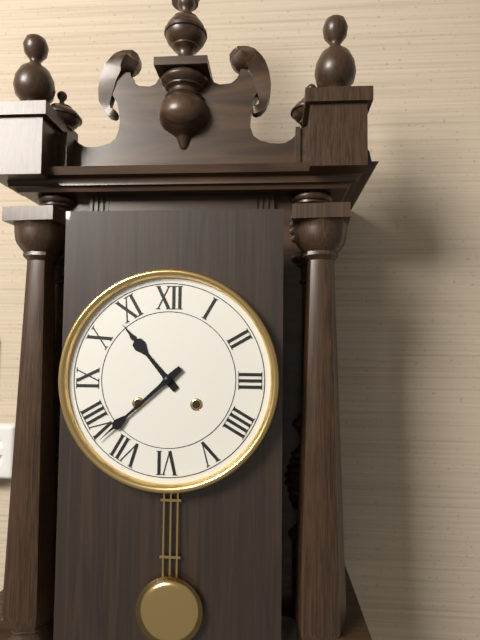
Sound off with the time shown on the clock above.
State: 10:38
